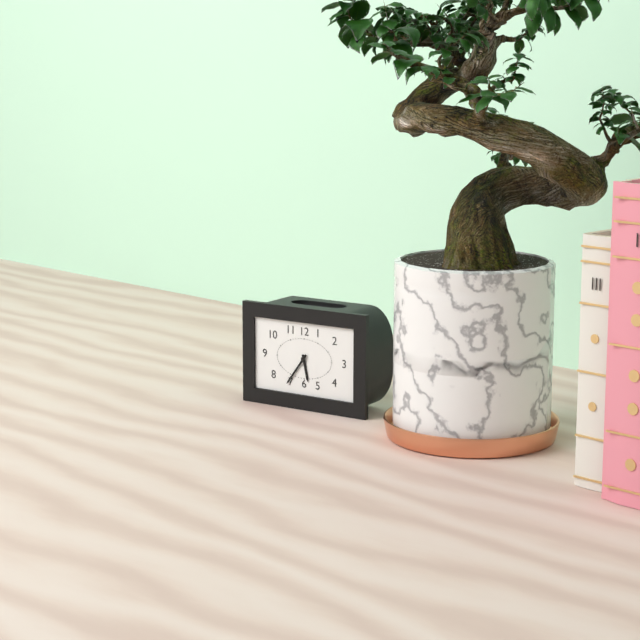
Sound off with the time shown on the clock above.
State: 5:36
